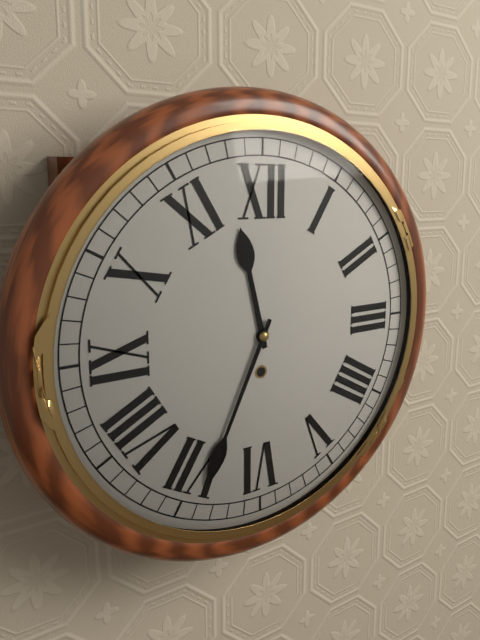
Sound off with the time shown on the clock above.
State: 11:34
